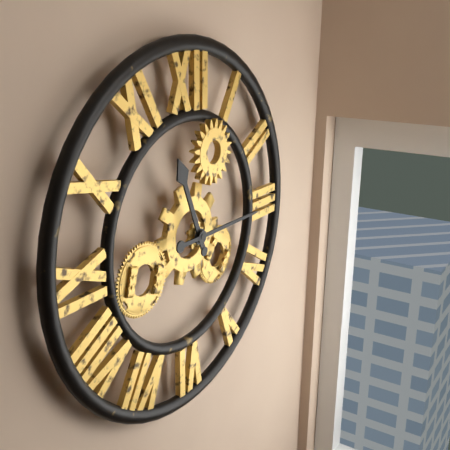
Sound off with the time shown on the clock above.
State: 11:15
